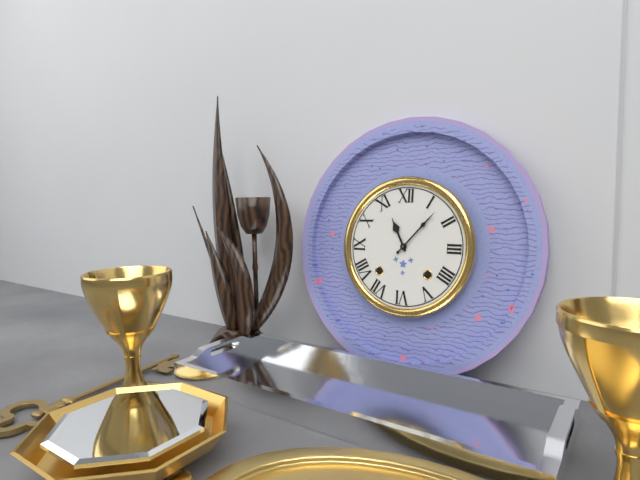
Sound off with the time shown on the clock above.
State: 11:07
